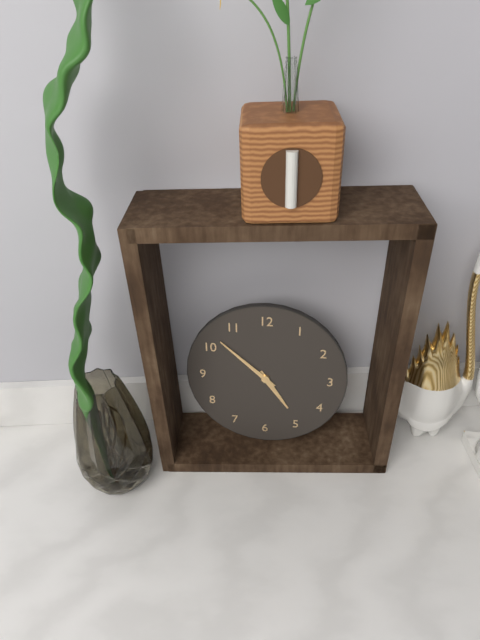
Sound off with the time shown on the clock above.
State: 4:52
